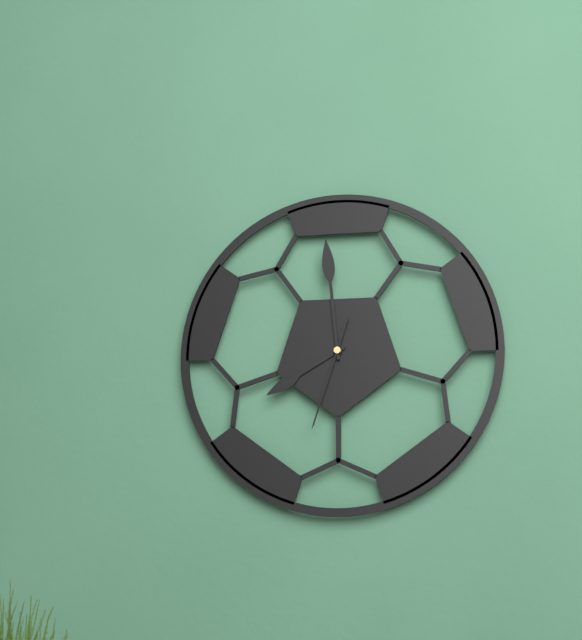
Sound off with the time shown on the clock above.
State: 7:59:33
